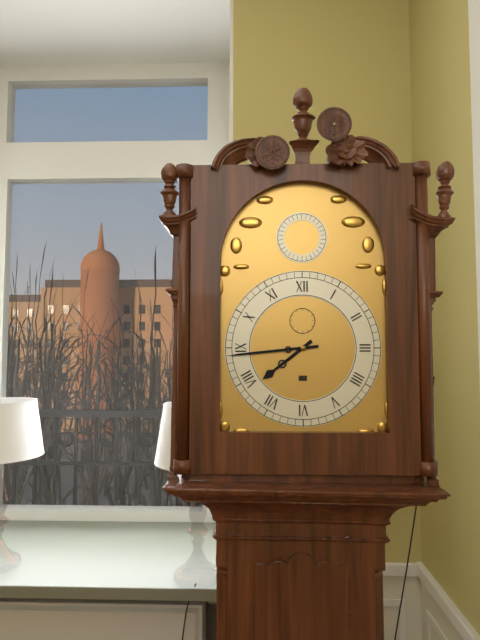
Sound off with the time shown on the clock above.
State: 7:44
